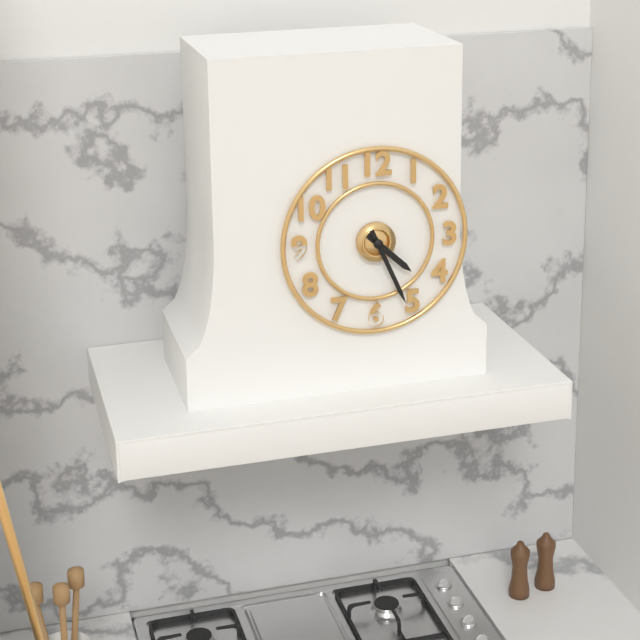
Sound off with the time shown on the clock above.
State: 4:26
